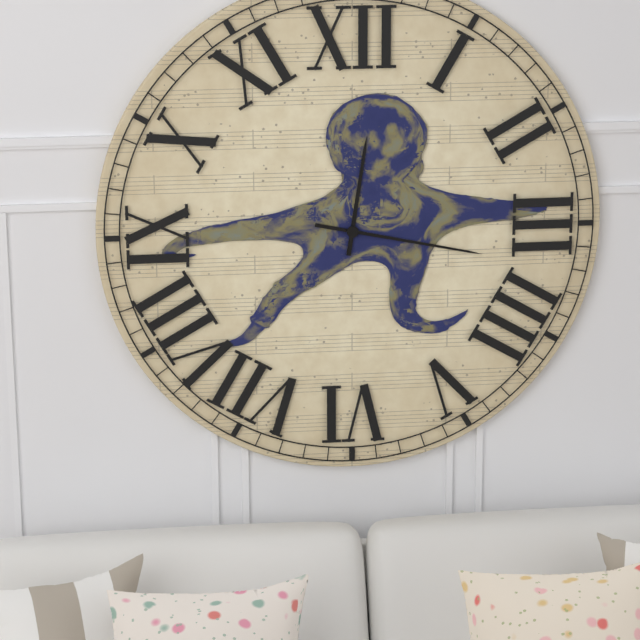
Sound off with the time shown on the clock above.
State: 12:17
